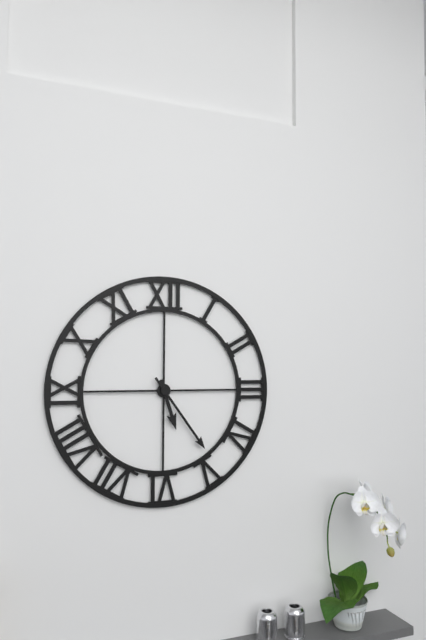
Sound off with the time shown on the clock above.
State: 5:24
